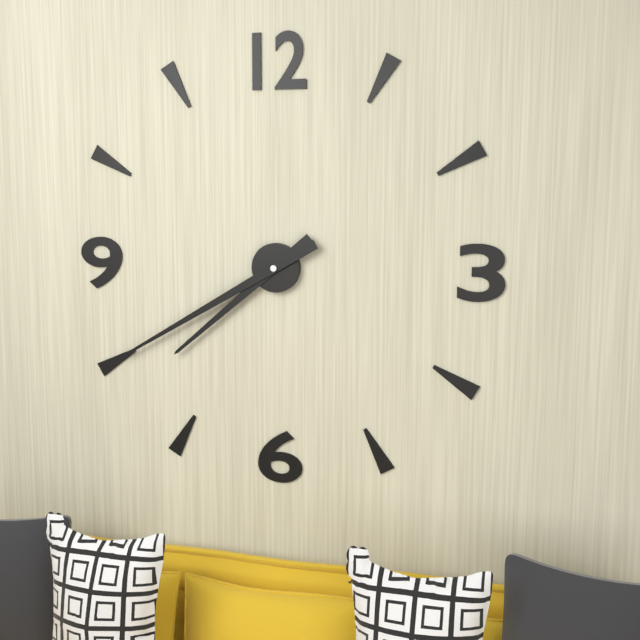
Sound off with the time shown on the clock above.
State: 7:40
